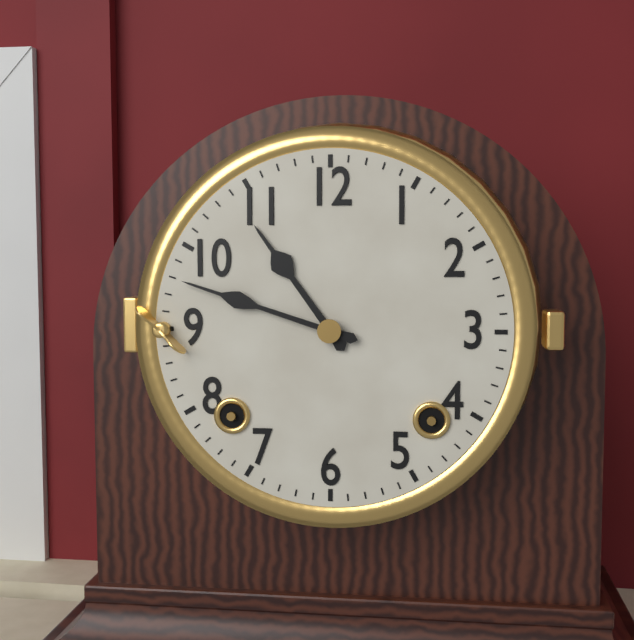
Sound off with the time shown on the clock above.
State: 10:48
